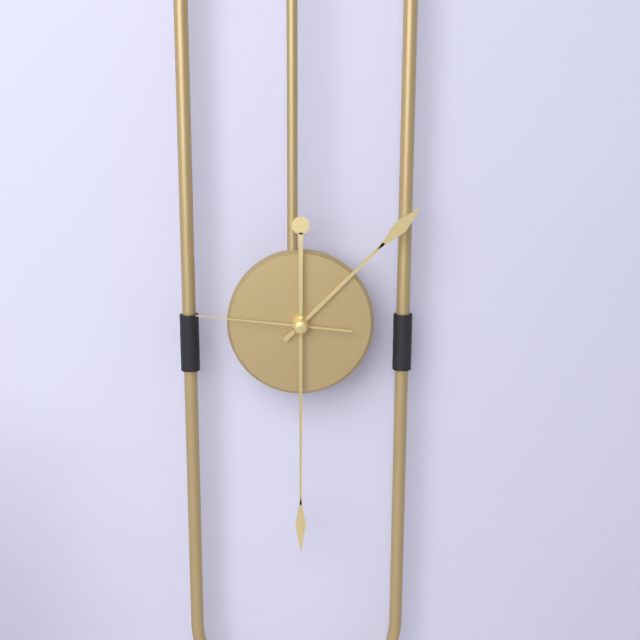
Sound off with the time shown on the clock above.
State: 1:30:46
